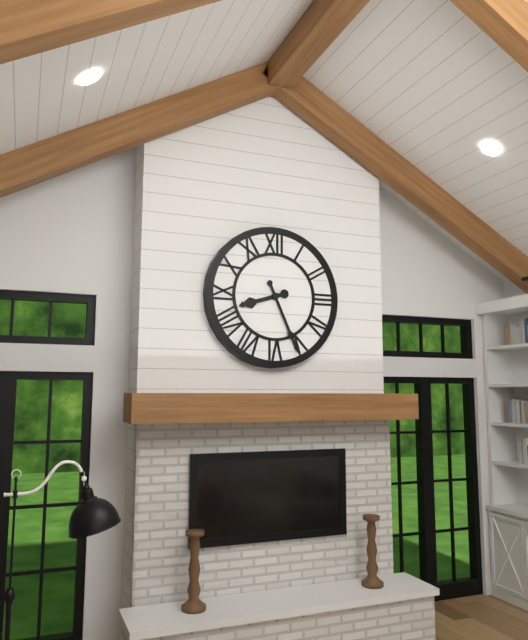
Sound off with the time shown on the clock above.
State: 8:26
